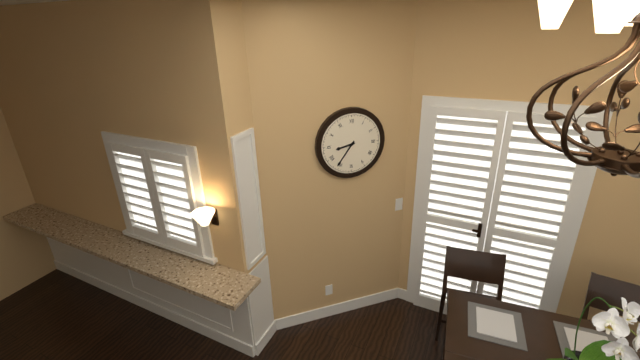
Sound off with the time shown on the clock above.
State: 8:36
